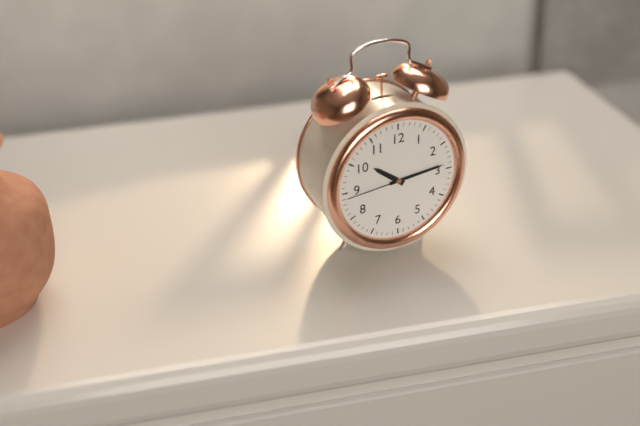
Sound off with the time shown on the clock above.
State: 10:14:44
